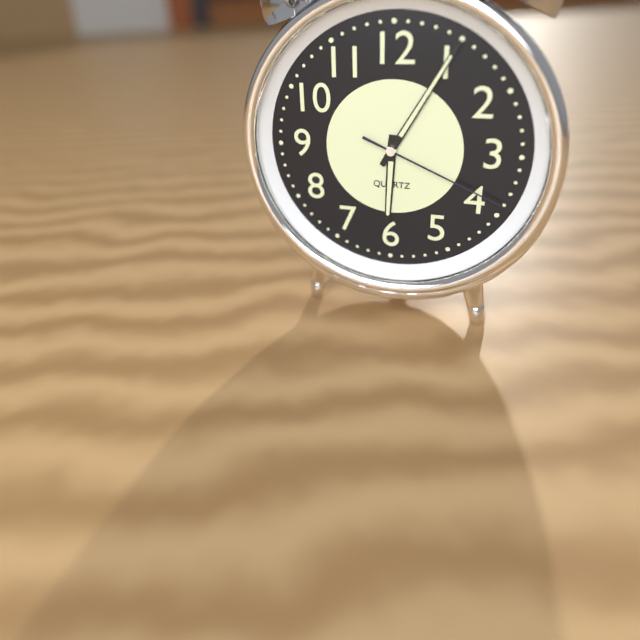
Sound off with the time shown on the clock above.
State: 6:05:19
